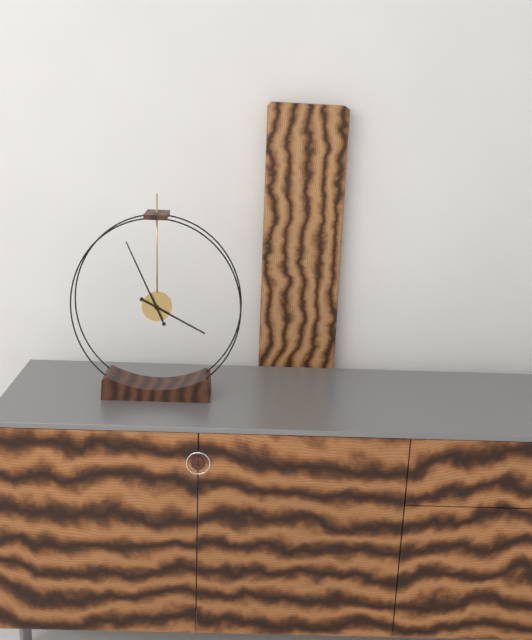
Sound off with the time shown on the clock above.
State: 3:56
